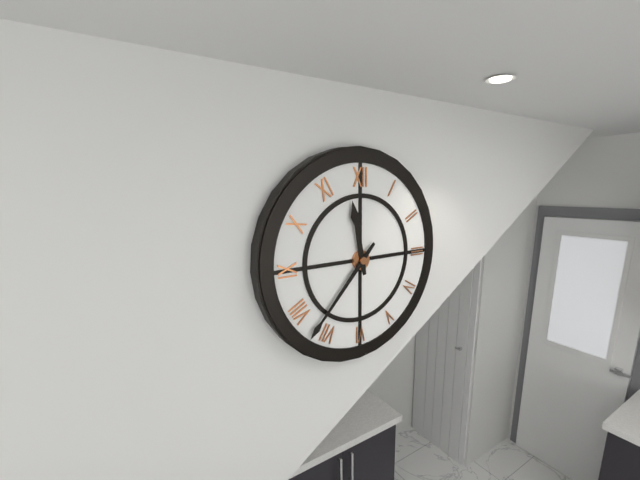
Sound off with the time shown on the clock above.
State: 11:37
